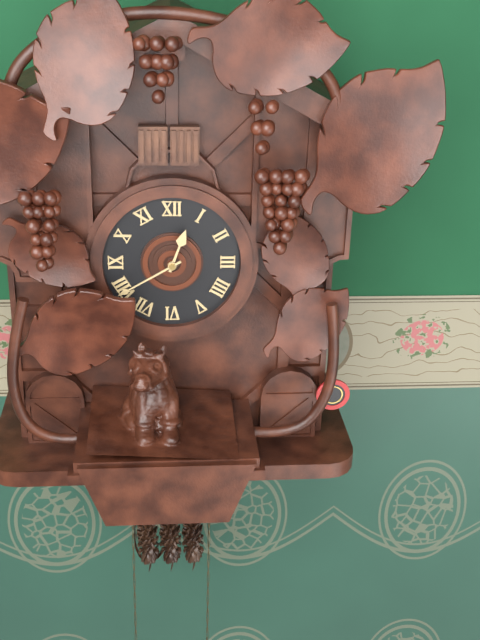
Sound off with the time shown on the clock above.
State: 12:40
